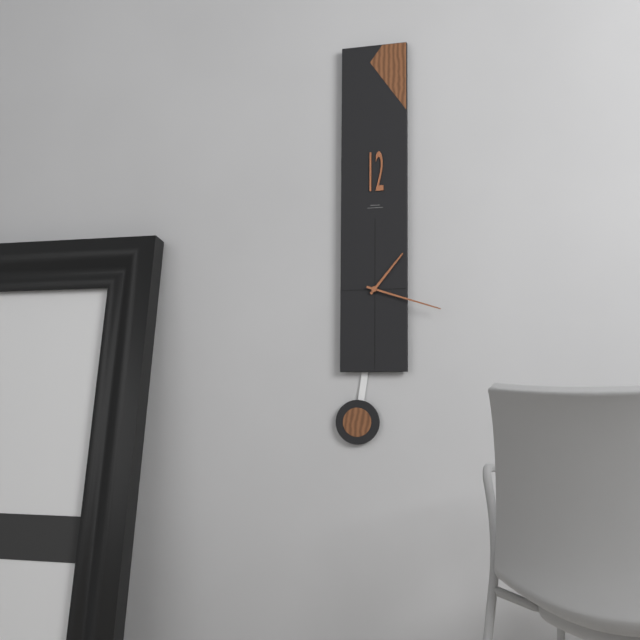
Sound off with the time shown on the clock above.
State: 1:18
